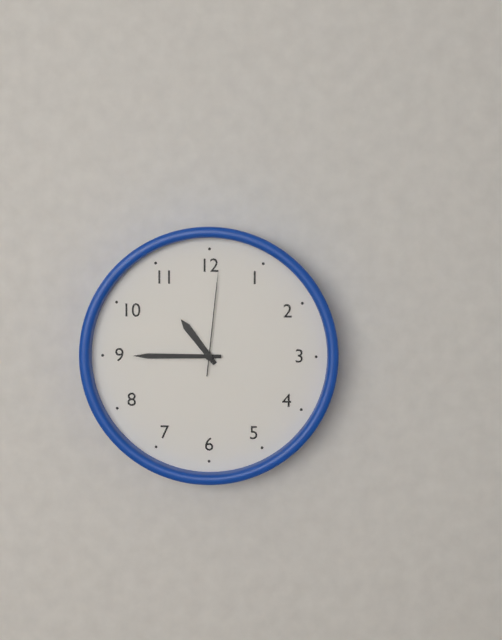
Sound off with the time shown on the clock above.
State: 10:45:01
